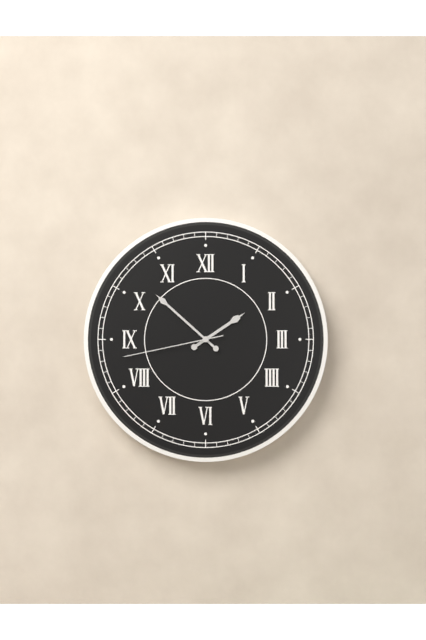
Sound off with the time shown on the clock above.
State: 1:52:43
